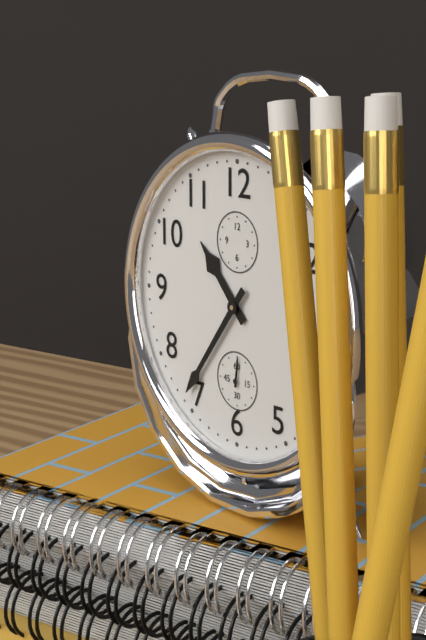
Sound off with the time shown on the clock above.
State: 10:36
